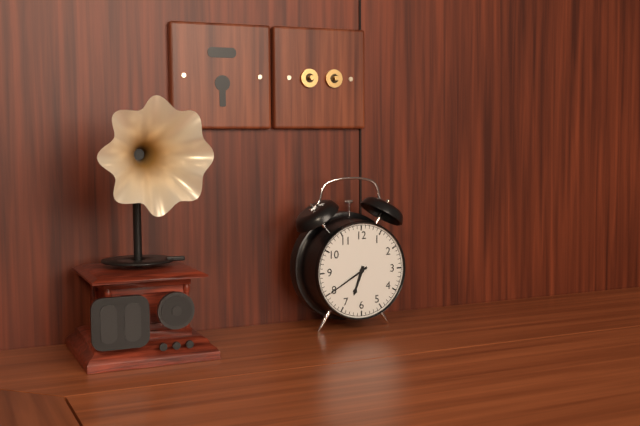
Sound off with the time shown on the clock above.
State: 6:40
